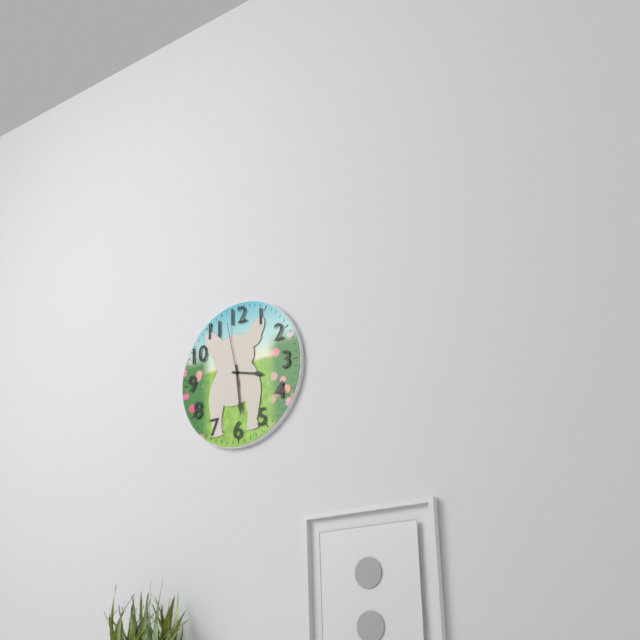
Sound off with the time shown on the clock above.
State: 3:29:58
